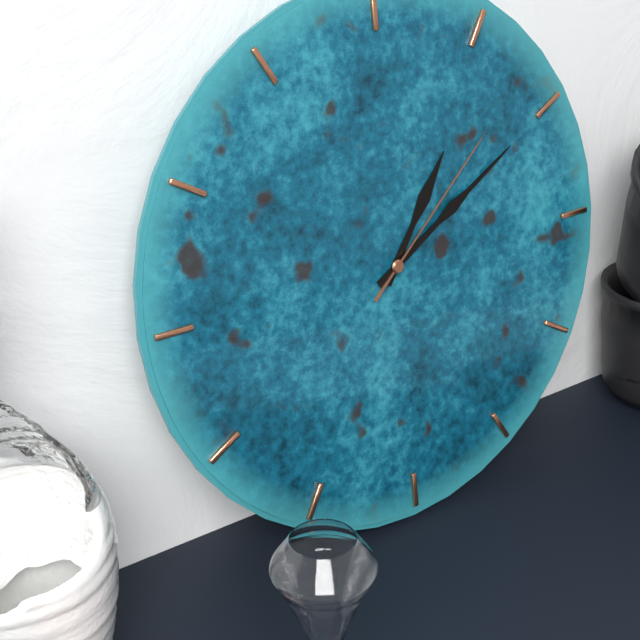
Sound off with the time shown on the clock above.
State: 1:10:08
